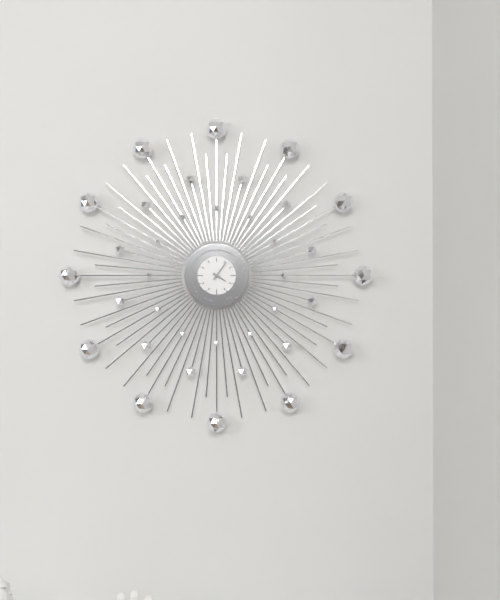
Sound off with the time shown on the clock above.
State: 4:06
